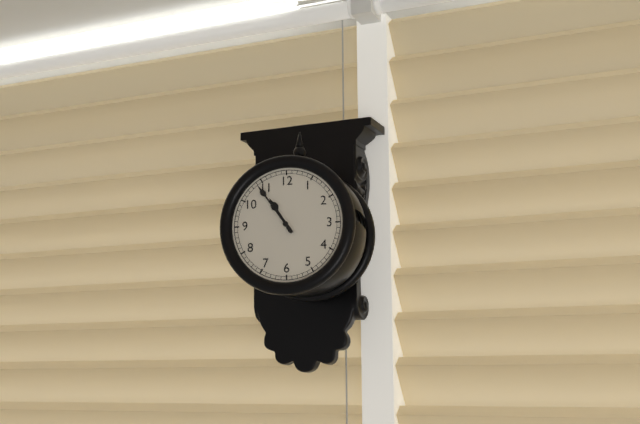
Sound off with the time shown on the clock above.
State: 10:54
